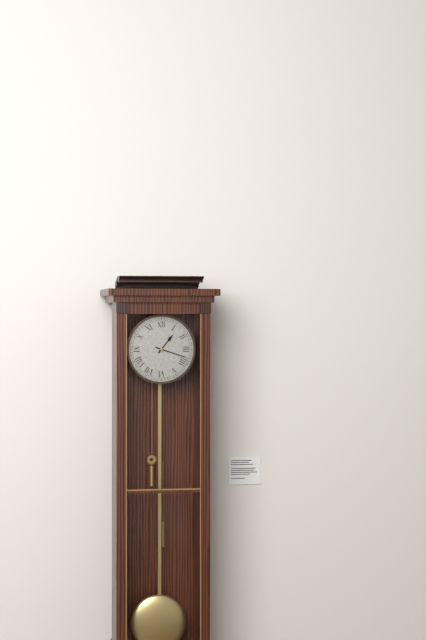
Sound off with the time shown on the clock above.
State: 1:18
